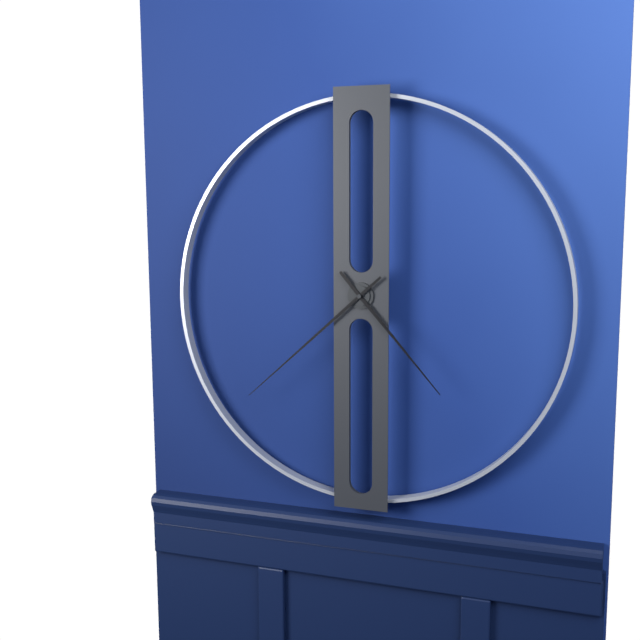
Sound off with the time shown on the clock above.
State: 4:38
